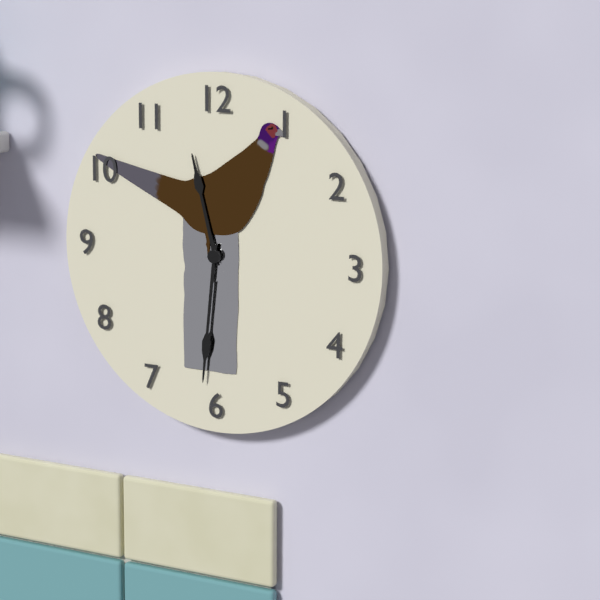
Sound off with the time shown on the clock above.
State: 11:31
